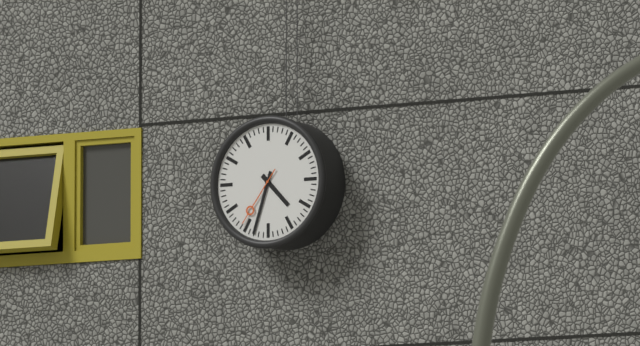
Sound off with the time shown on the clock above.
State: 4:33:36
